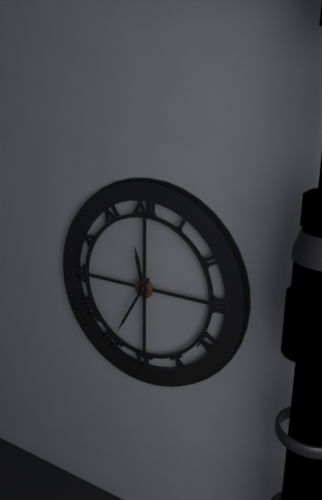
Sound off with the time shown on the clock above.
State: 11:35
